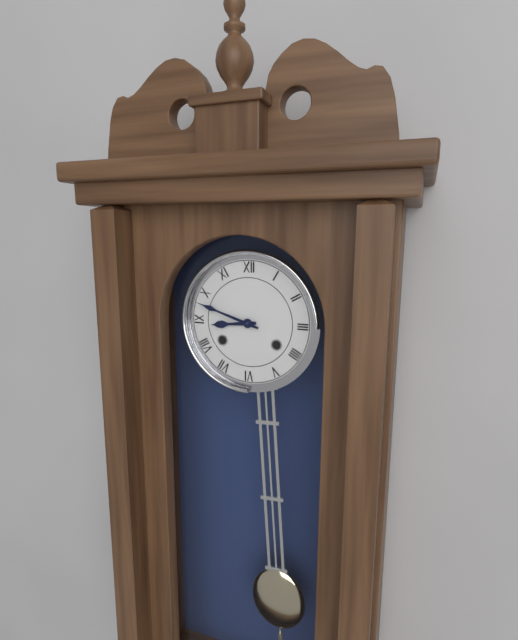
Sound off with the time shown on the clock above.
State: 8:48
